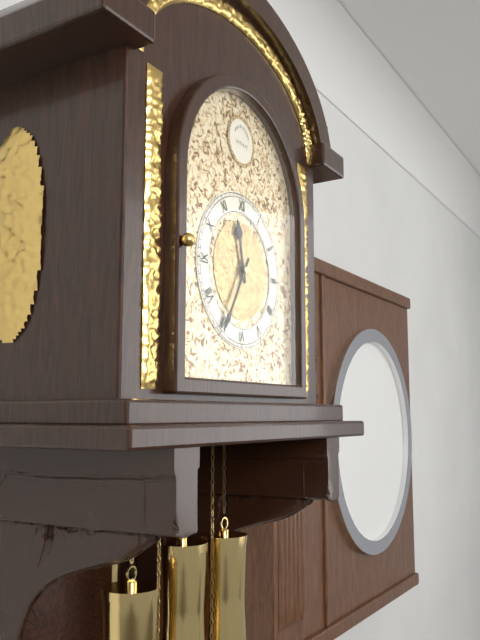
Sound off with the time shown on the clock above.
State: 11:35
